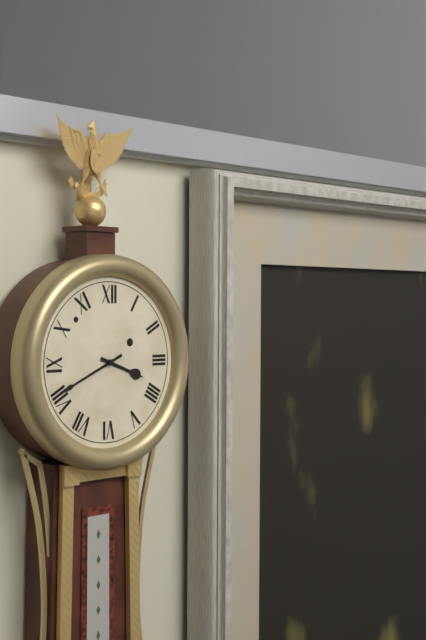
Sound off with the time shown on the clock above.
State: 3:41
